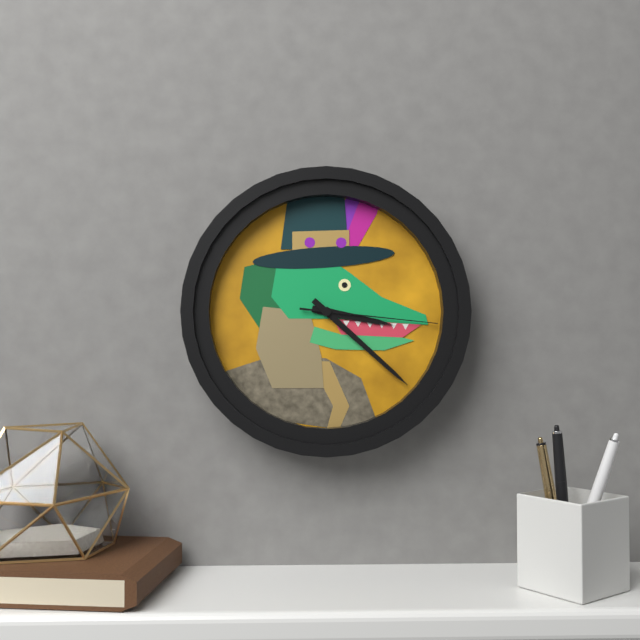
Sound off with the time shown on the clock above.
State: 3:22:16
